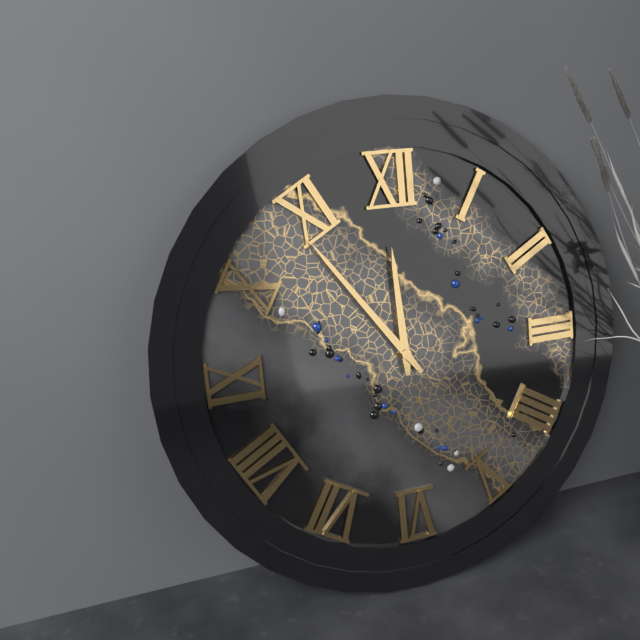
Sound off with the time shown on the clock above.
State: 11:54
